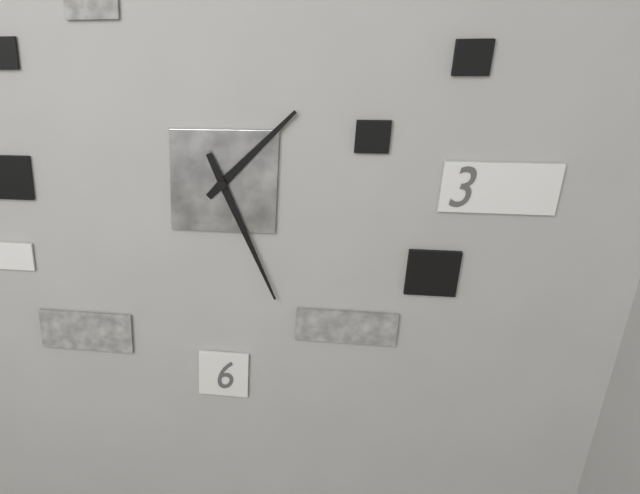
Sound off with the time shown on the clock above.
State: 1:26
